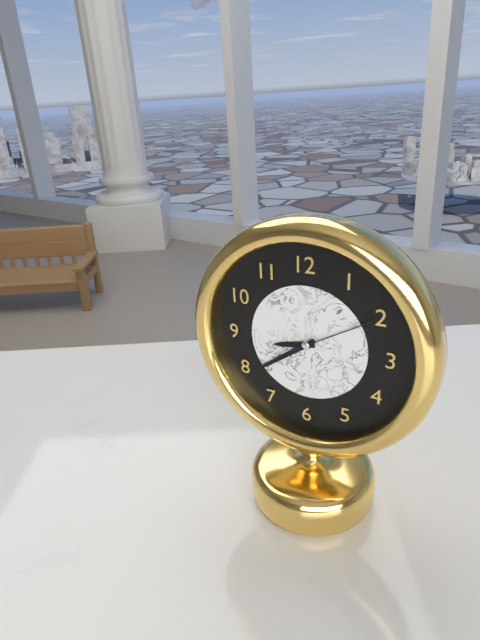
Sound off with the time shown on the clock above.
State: 8:39:10
